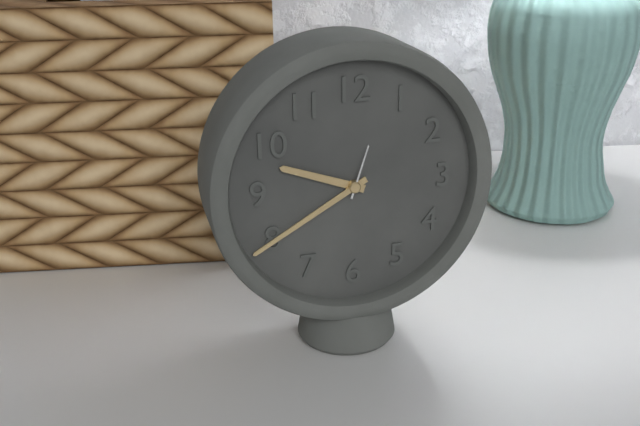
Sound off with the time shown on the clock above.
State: 9:40:03
